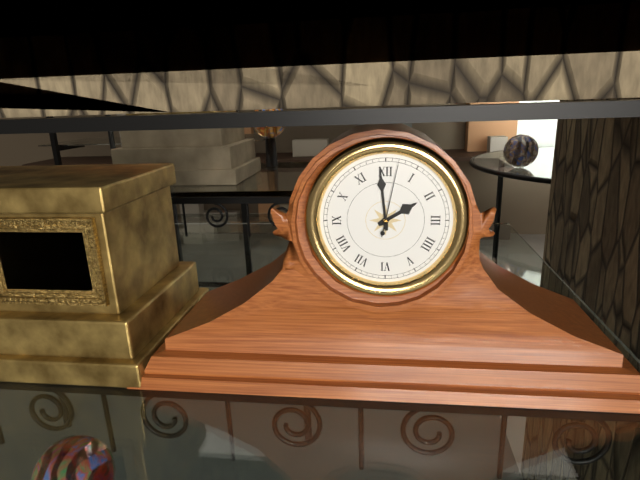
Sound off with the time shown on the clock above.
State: 1:59:02
